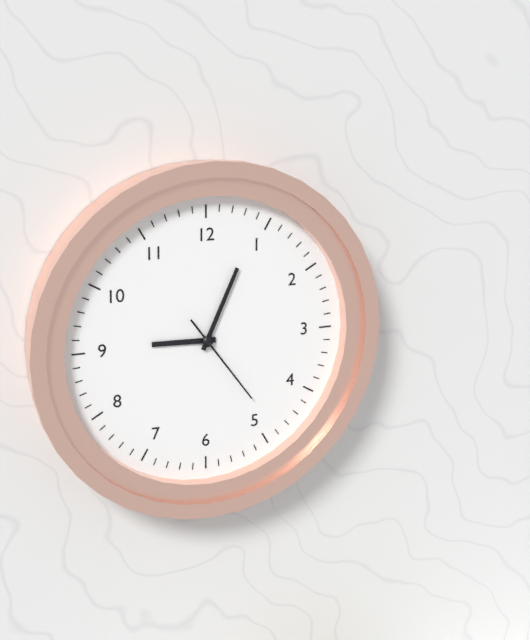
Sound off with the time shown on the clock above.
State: 9:04:24
